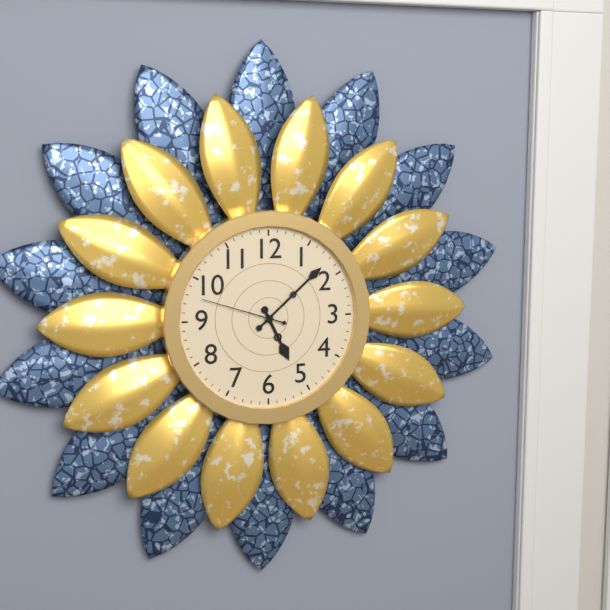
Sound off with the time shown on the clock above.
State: 5:08:48
